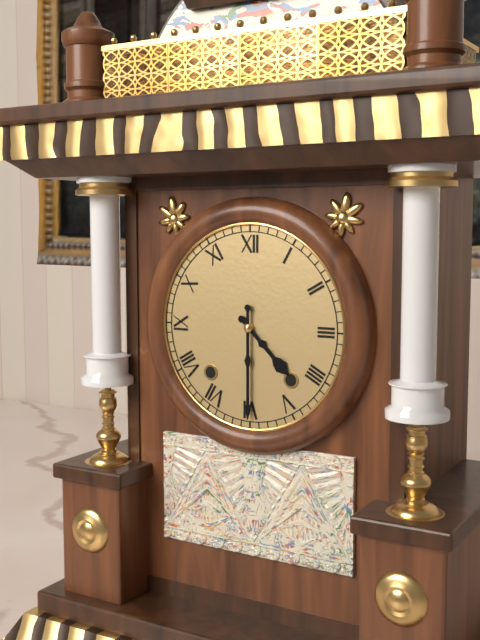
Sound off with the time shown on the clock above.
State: 4:30
